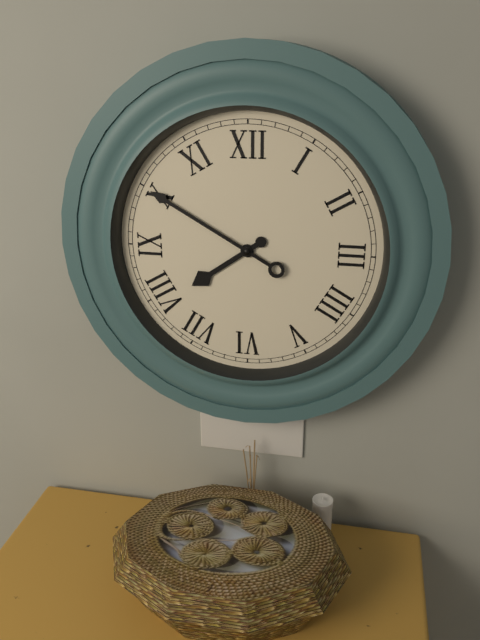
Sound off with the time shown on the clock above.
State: 7:50
